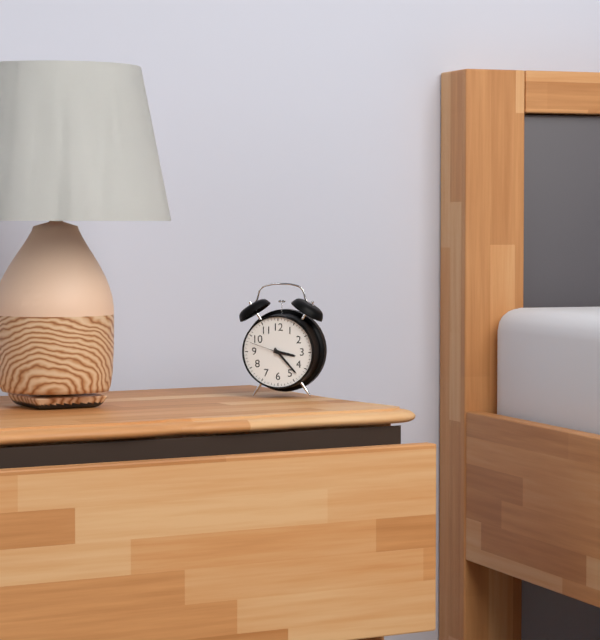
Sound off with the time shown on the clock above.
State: 3:23
